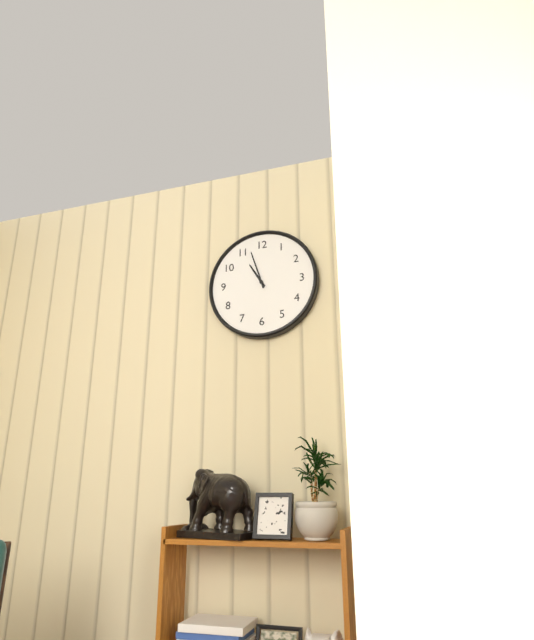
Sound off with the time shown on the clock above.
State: 10:57
